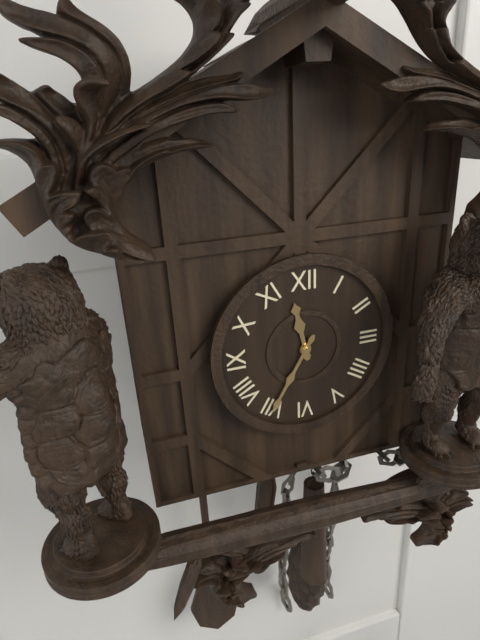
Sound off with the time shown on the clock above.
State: 11:35
